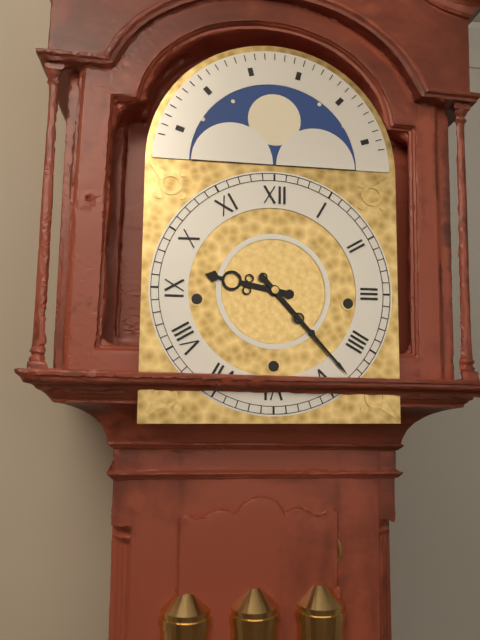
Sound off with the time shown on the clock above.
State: 9:23
